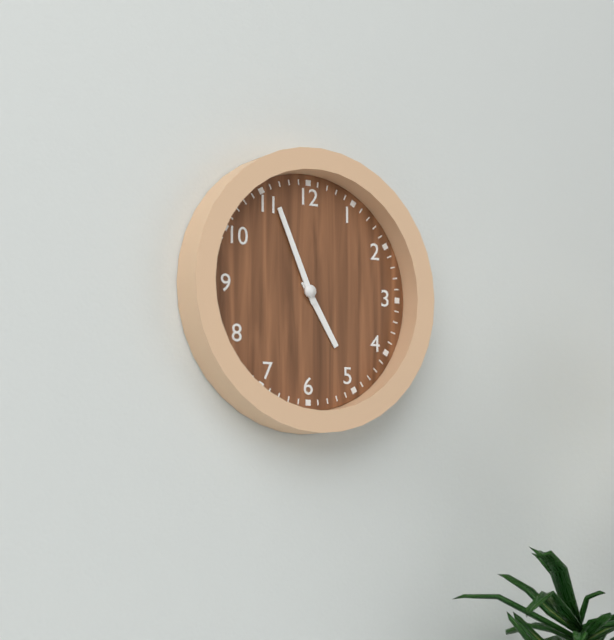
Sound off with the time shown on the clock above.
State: 4:56
